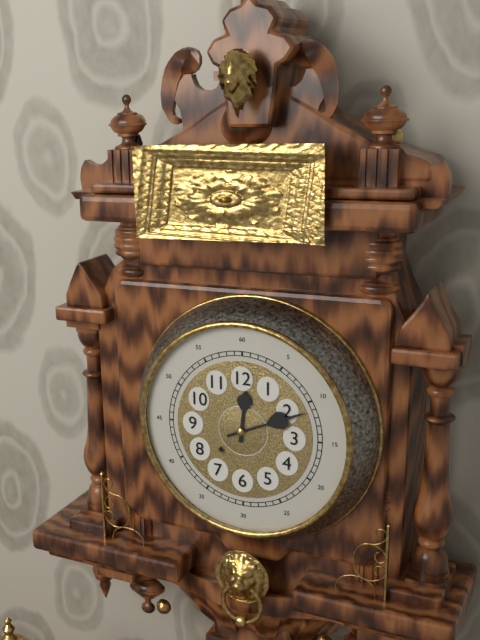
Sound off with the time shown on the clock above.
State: 12:11
